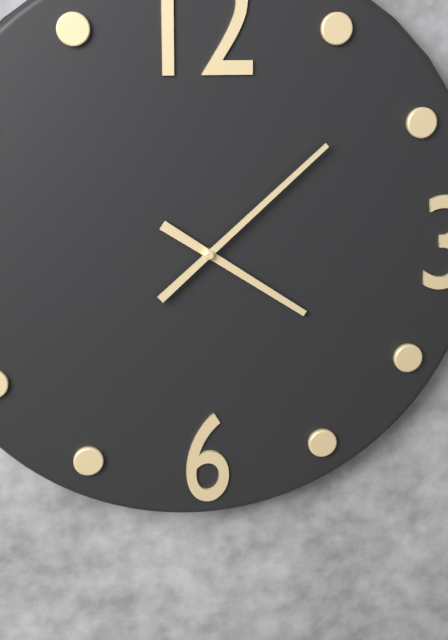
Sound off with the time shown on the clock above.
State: 4:08
